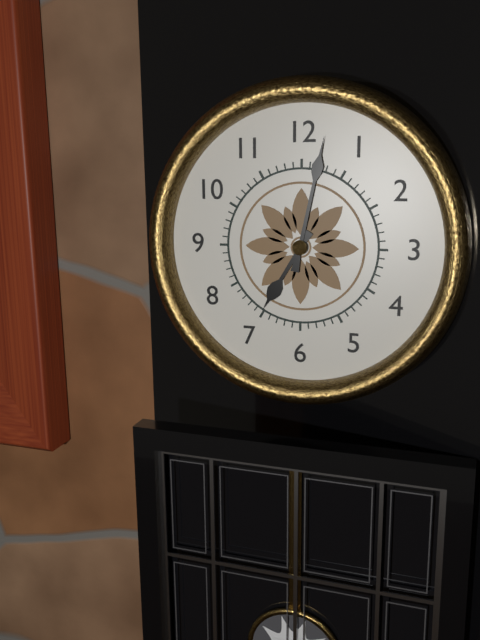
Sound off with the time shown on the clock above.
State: 7:02
